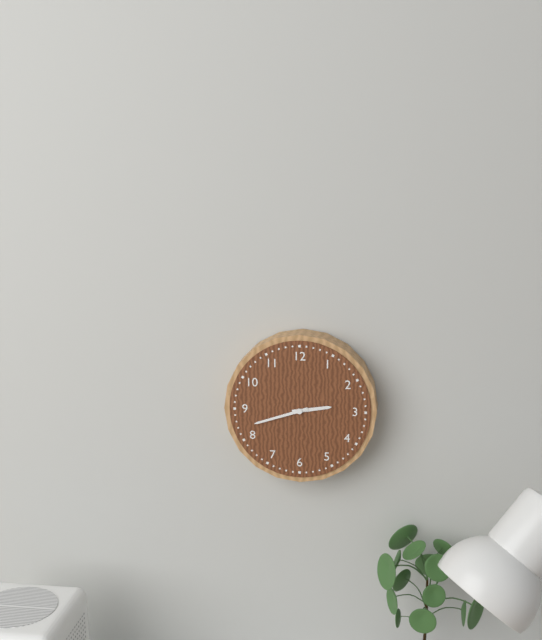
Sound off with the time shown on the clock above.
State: 2:42
